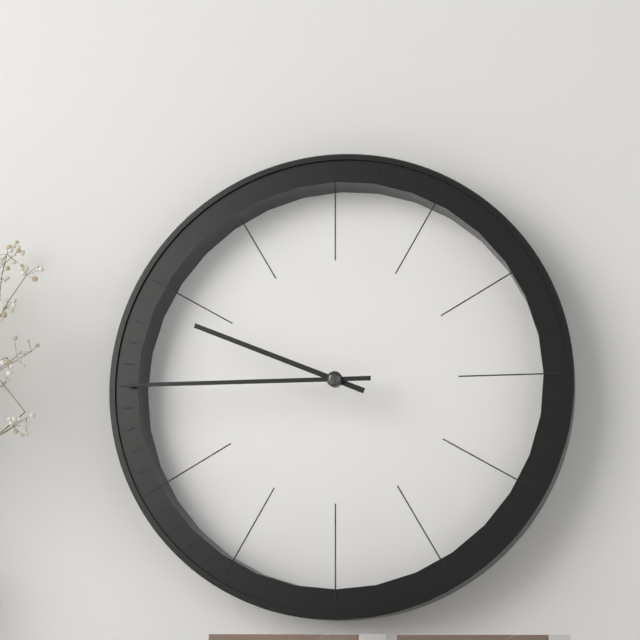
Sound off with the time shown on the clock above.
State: 9:45
